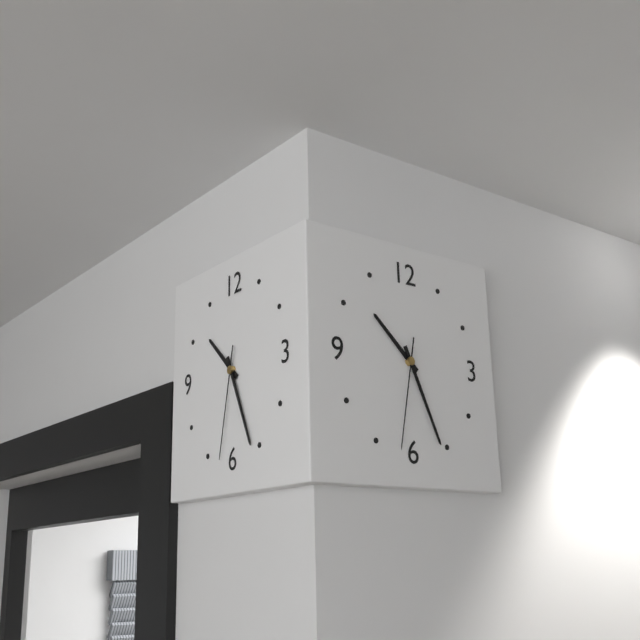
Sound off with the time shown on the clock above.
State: 10:26:32
